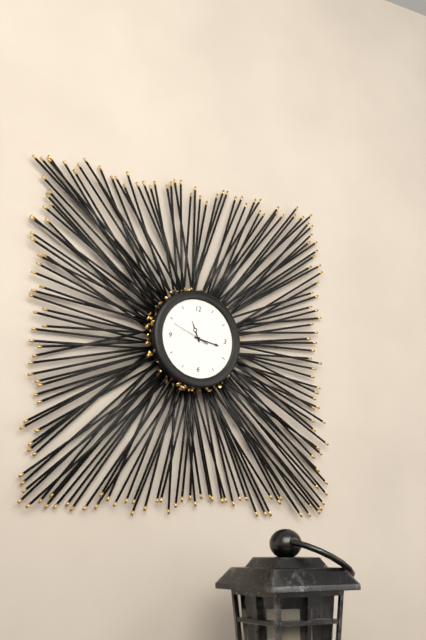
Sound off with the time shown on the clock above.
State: 11:17
